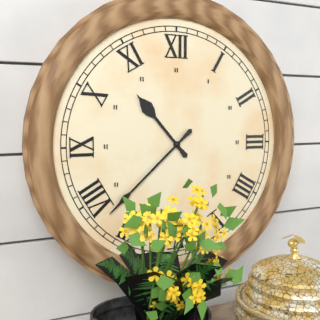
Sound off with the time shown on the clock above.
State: 10:38
